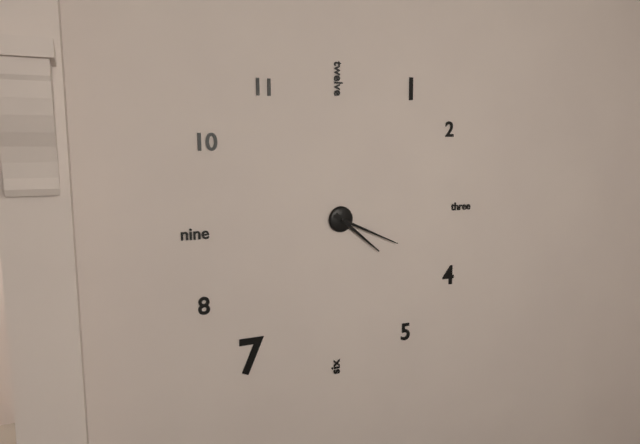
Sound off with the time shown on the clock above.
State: 4:19
